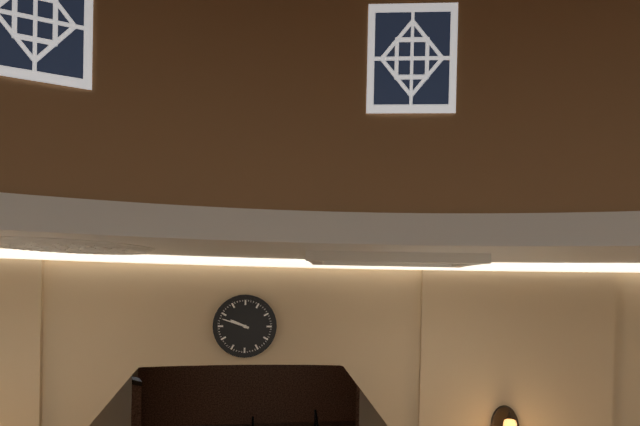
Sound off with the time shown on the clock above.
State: 9:48
